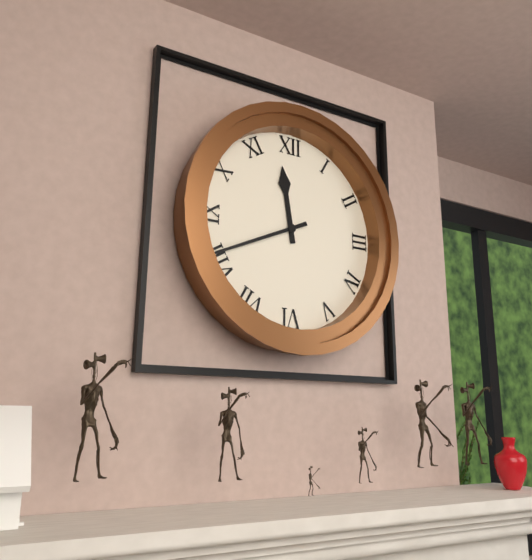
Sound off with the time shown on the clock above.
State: 11:41
